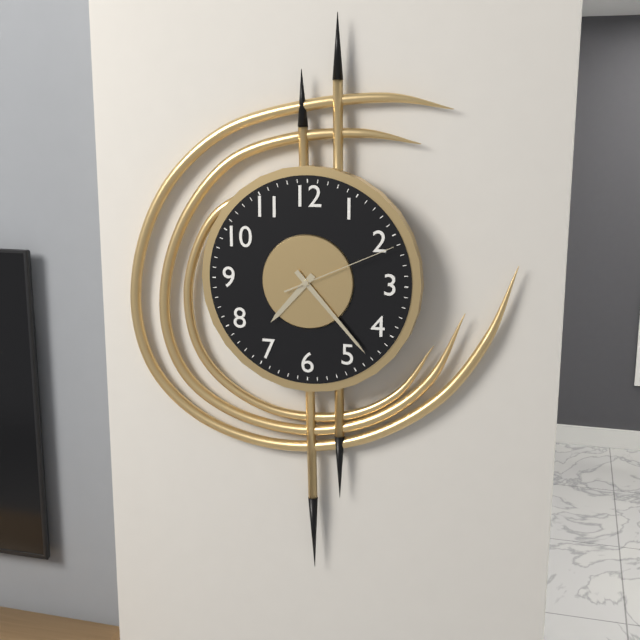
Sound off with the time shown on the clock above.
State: 7:23:11
